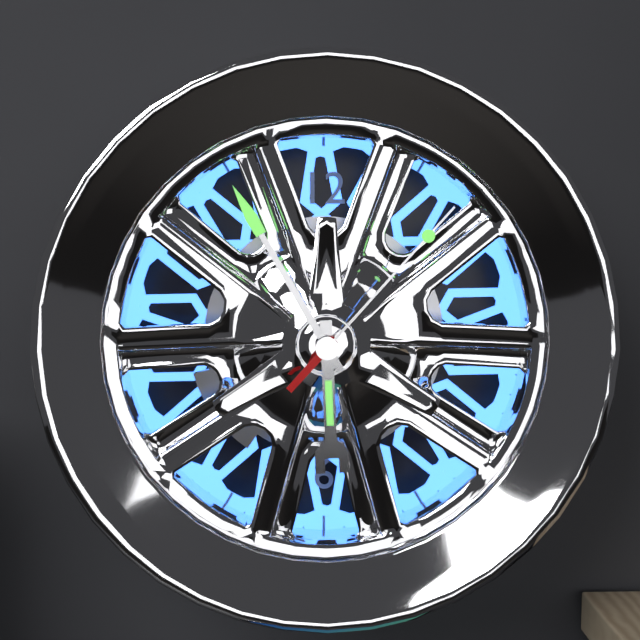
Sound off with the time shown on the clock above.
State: 5:55:07
